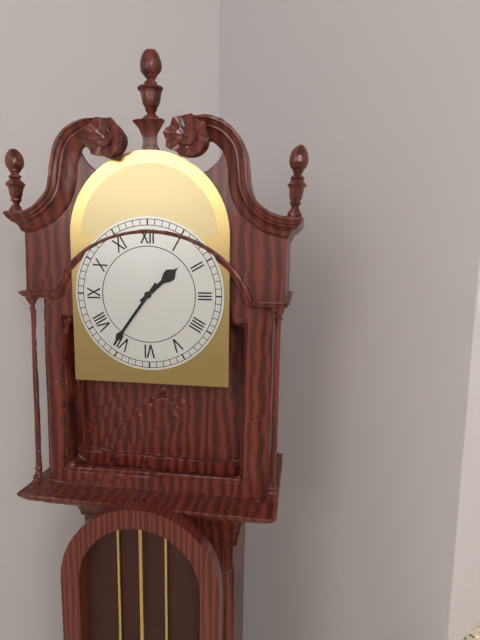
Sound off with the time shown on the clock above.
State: 1:36
